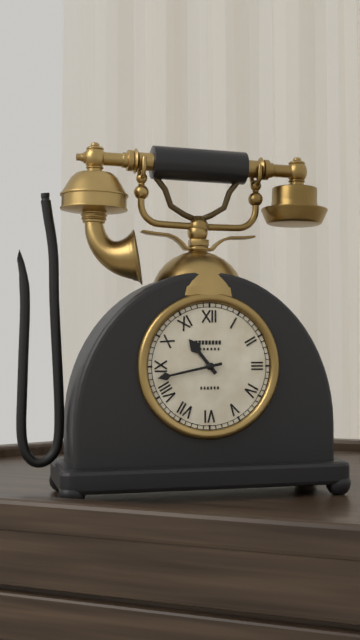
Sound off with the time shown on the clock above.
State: 10:43
